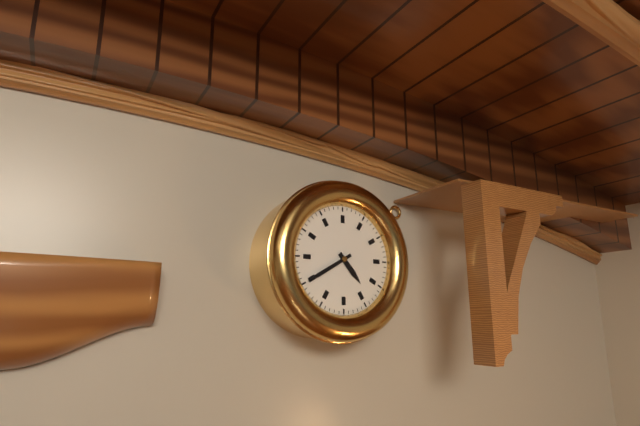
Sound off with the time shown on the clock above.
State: 4:40
